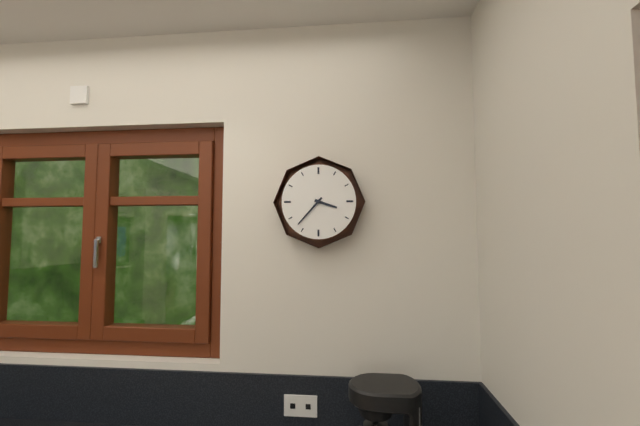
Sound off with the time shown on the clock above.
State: 3:37
